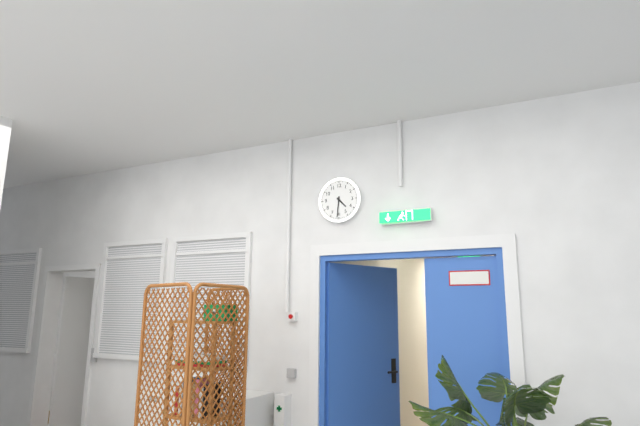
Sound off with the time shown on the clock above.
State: 4:31
